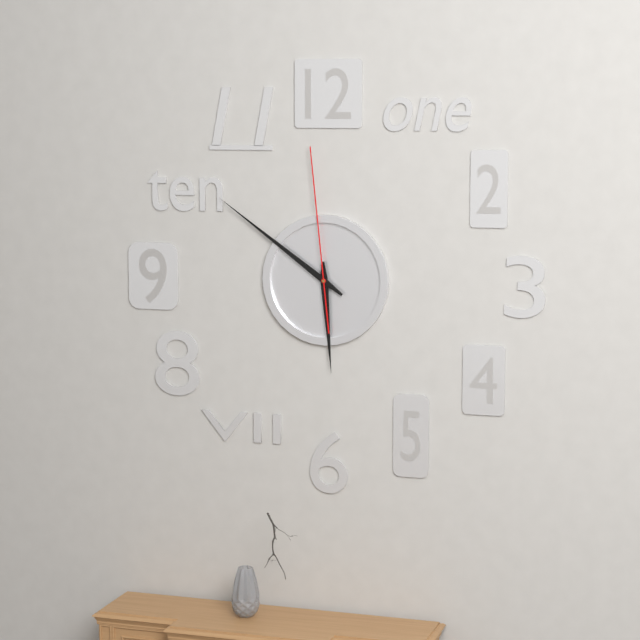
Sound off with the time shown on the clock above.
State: 5:51:59
